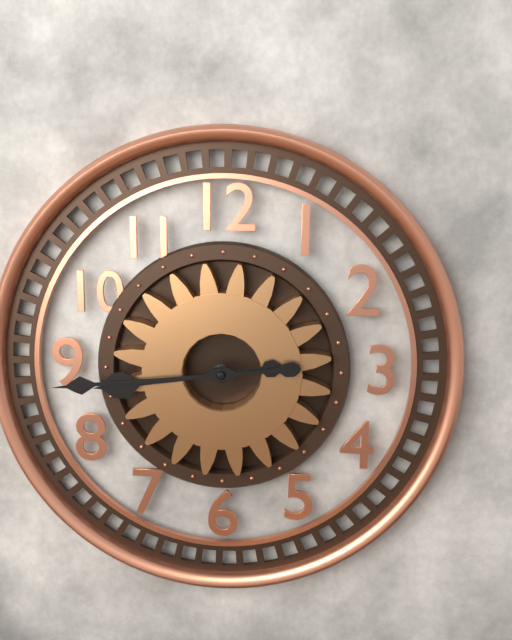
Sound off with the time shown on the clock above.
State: 8:44
